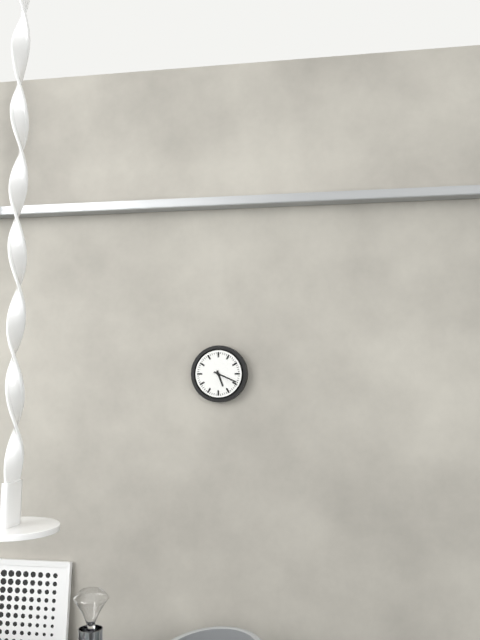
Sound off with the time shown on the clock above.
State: 5:19
